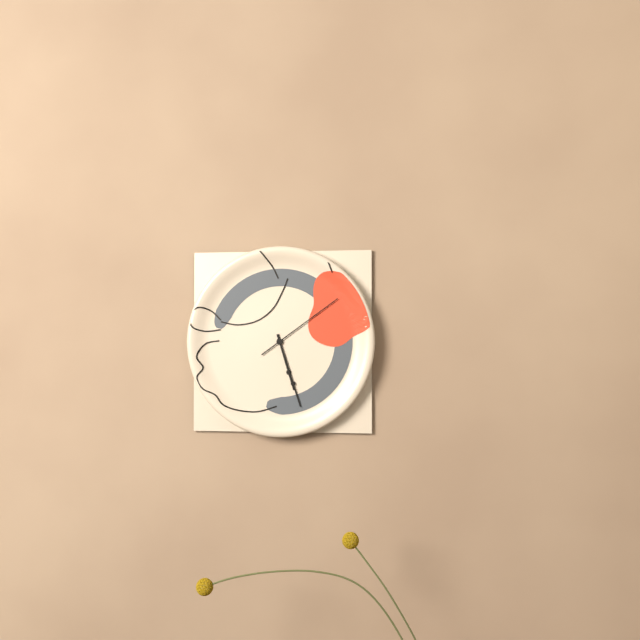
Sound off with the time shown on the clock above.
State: 5:27:09
